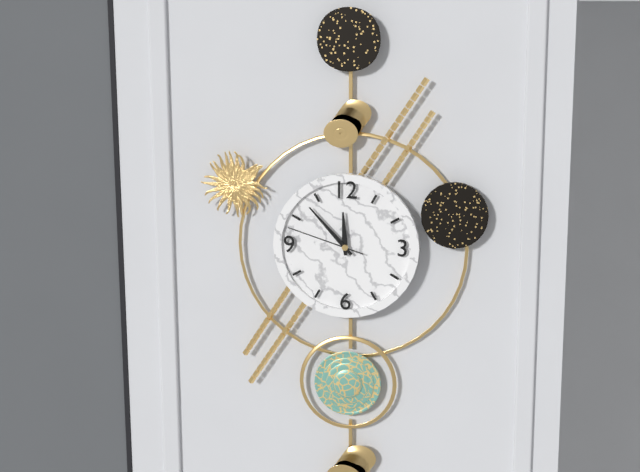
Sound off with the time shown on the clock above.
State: 11:53:48
